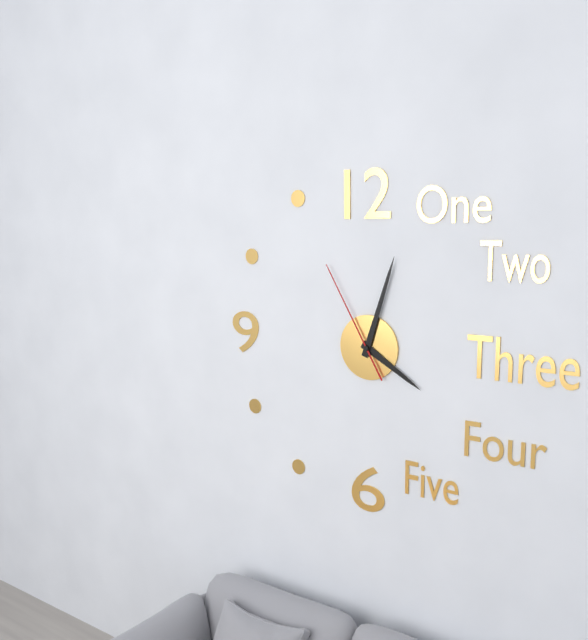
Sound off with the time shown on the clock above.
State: 4:03:55
